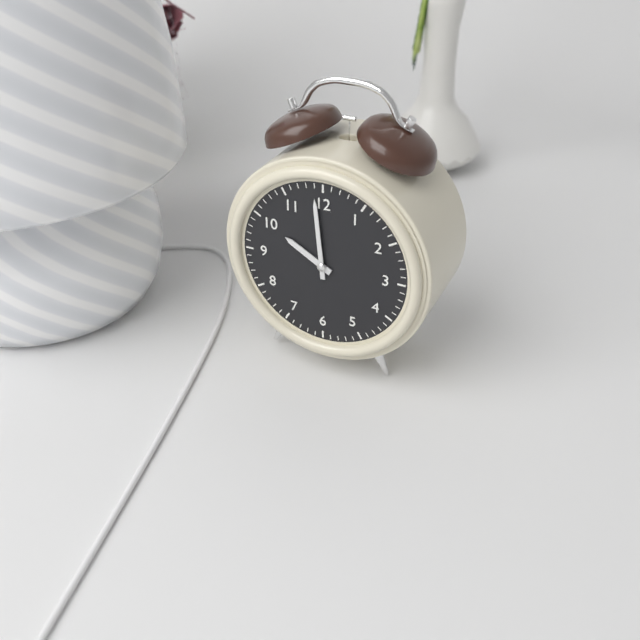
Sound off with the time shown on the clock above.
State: 9:59
